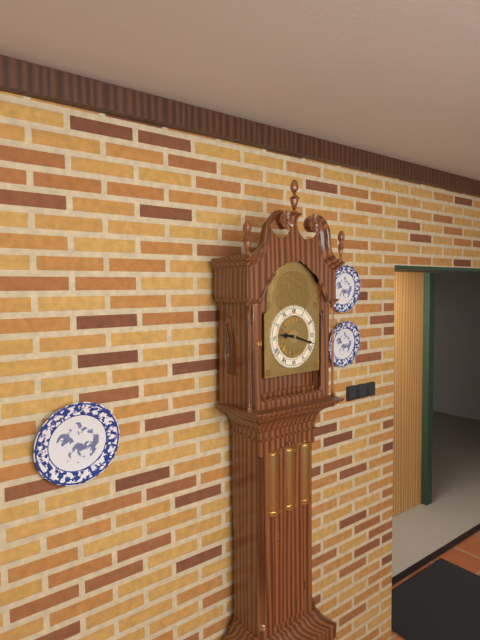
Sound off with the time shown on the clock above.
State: 9:18
